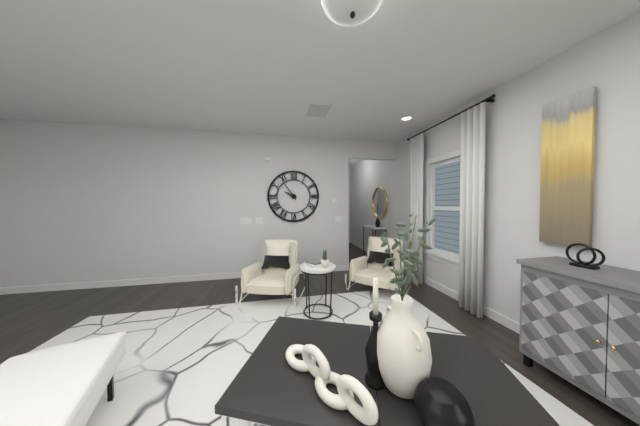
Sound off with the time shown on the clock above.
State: 9:54
